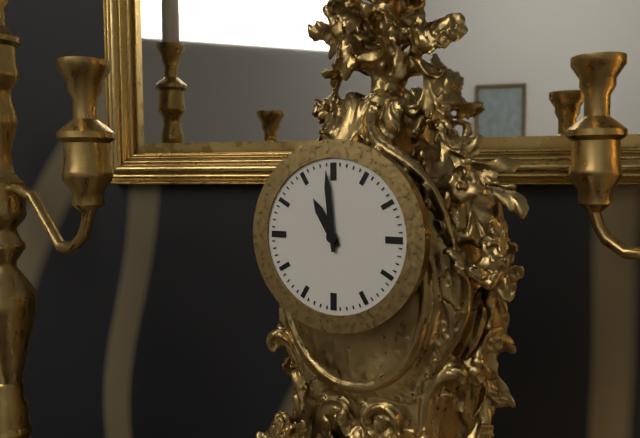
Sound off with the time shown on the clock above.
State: 10:59
